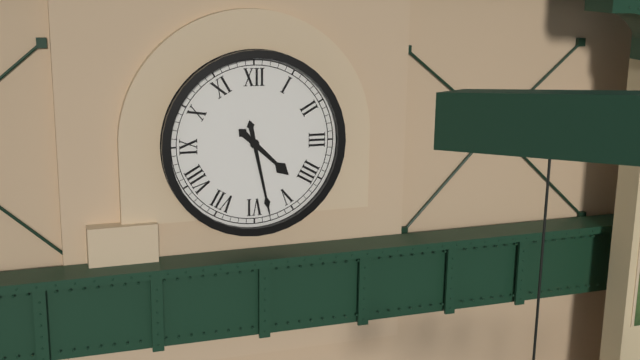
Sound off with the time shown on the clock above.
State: 4:28
